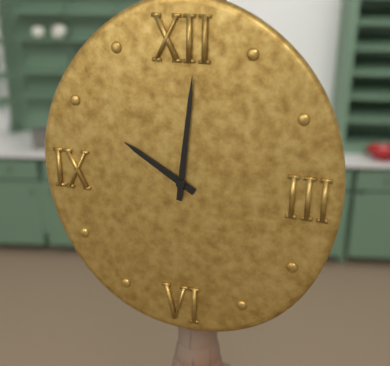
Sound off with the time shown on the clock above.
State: 10:01
